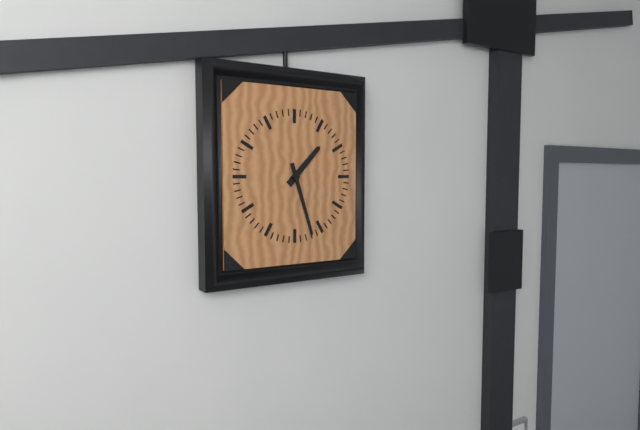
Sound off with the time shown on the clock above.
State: 1:27
